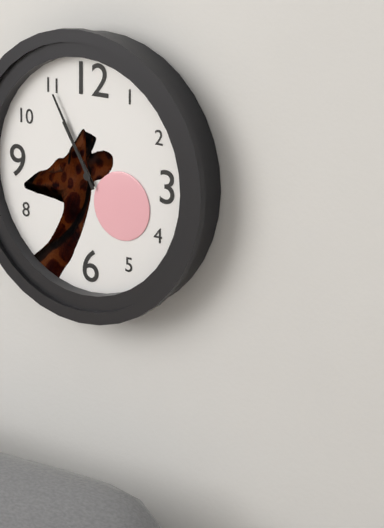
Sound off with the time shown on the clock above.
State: 10:55
